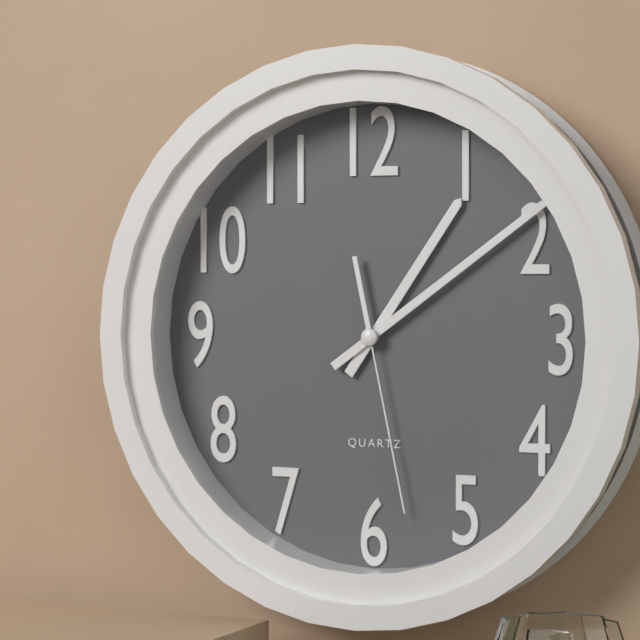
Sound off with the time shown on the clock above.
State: 1:09:28
